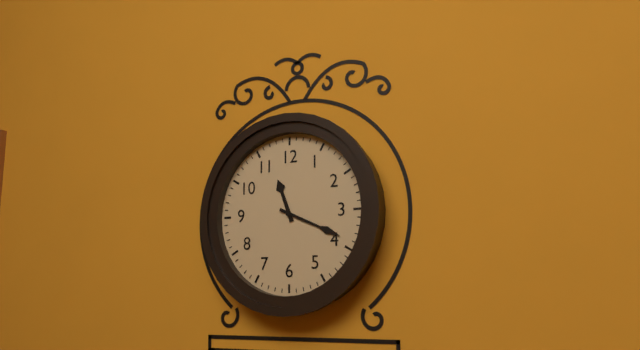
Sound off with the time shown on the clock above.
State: 11:19
